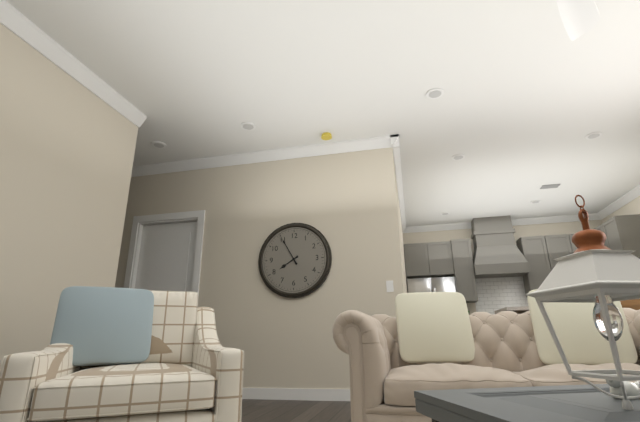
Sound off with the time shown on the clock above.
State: 7:55
